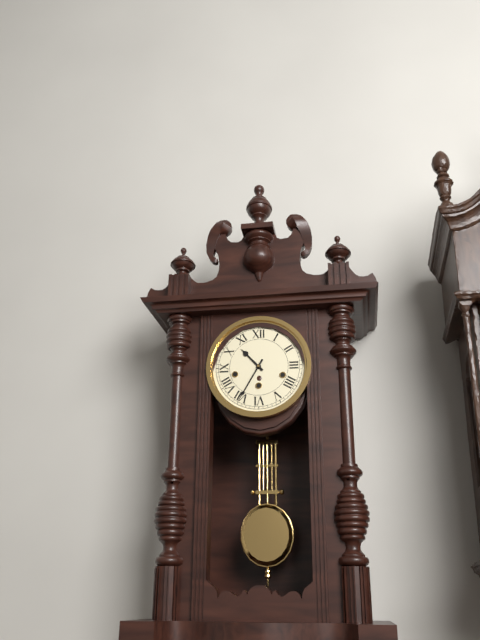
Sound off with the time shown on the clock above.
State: 10:35
